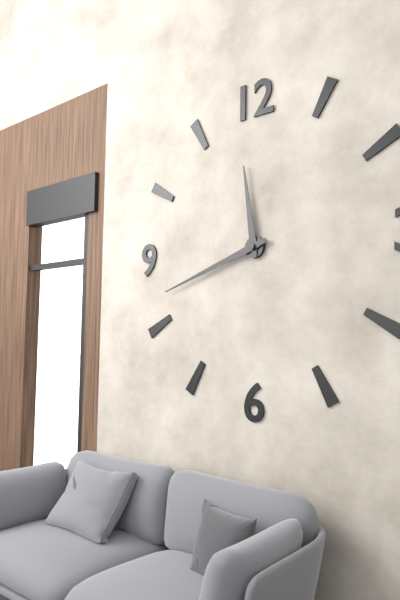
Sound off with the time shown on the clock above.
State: 11:42
